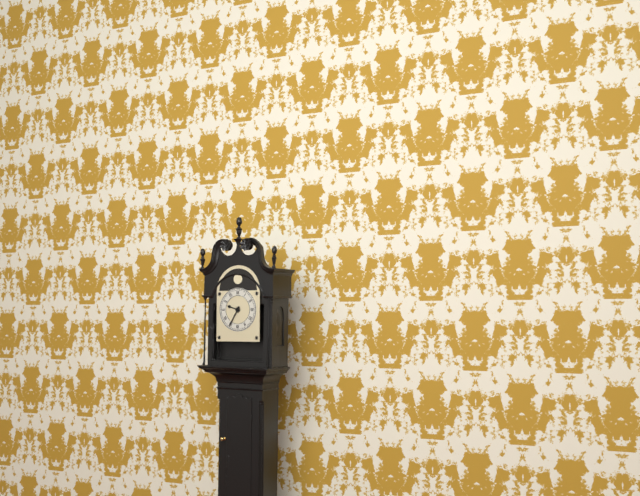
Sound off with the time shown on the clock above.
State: 9:35
